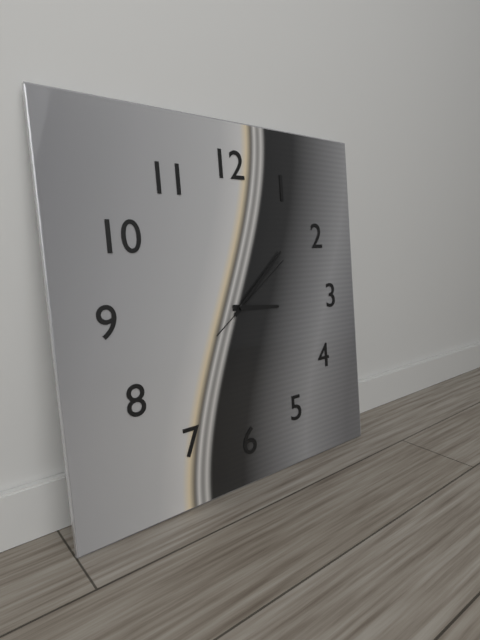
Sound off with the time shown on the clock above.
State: 3:08:09
